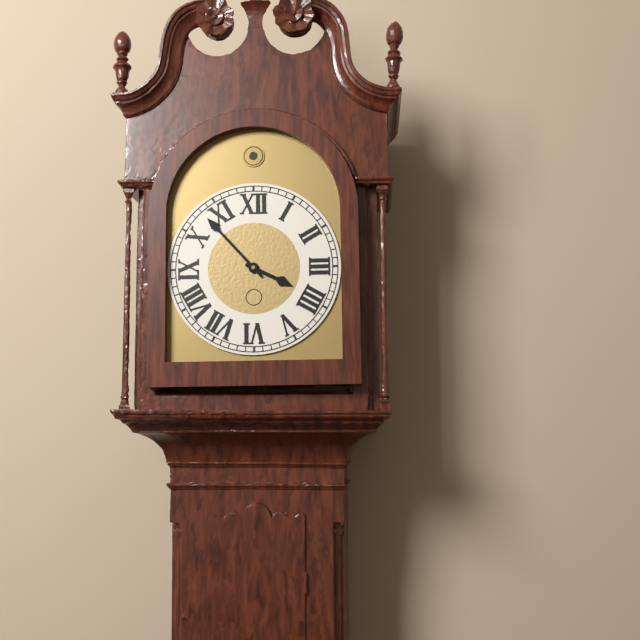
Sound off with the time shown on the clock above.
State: 3:53
